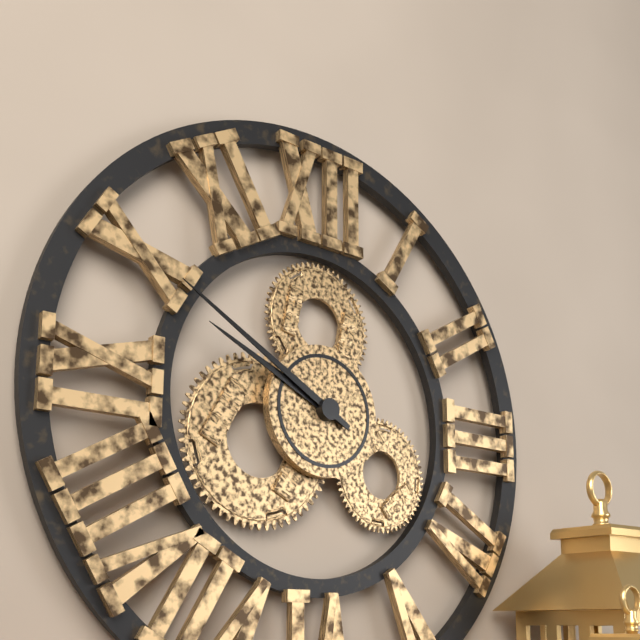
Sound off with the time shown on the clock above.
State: 9:50
